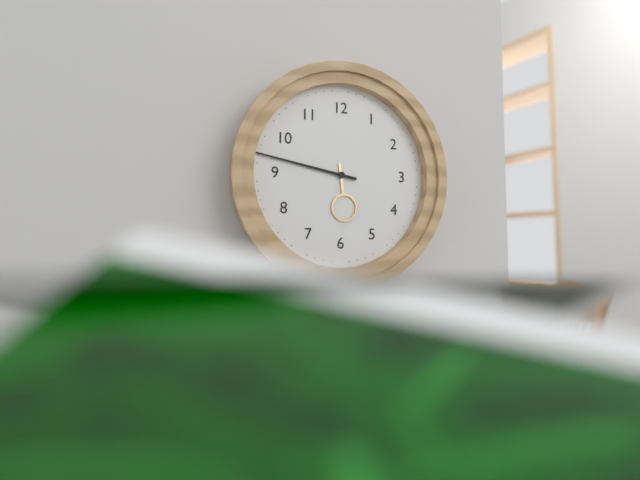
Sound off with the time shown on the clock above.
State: 5:47
